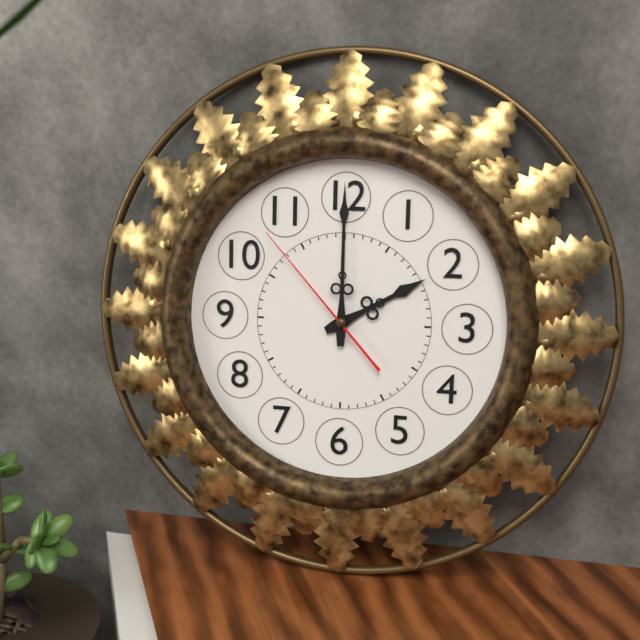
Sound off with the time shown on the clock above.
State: 2:00:53
